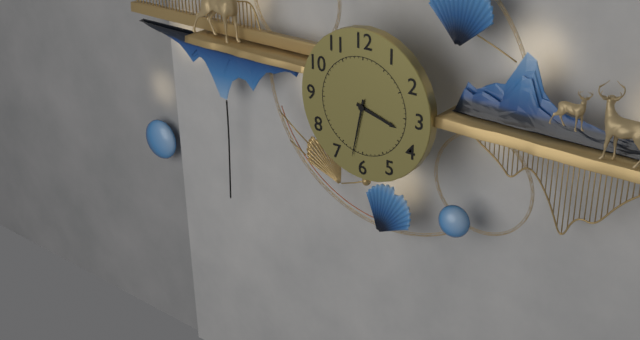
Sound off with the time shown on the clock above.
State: 3:32
